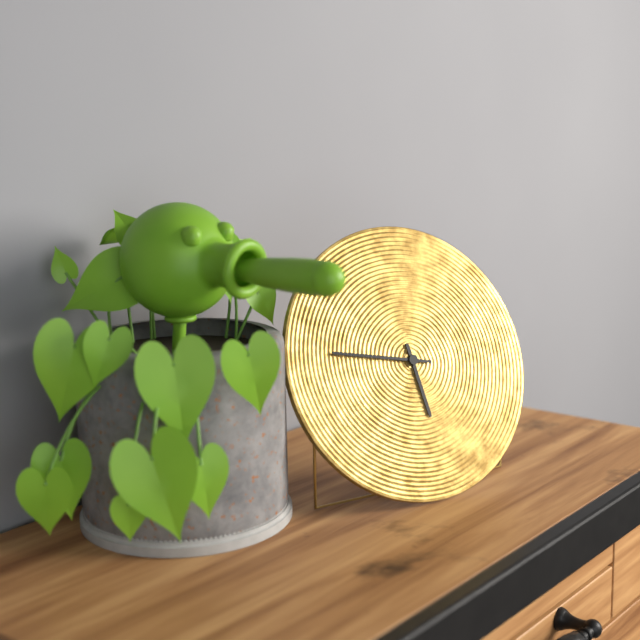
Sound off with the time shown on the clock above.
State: 5:47
